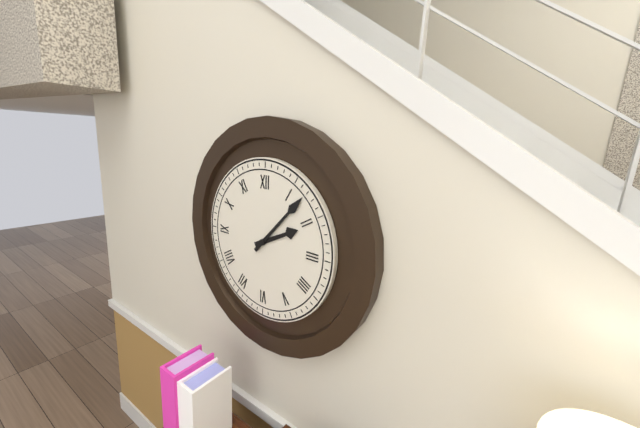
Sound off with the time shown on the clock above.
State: 2:07
